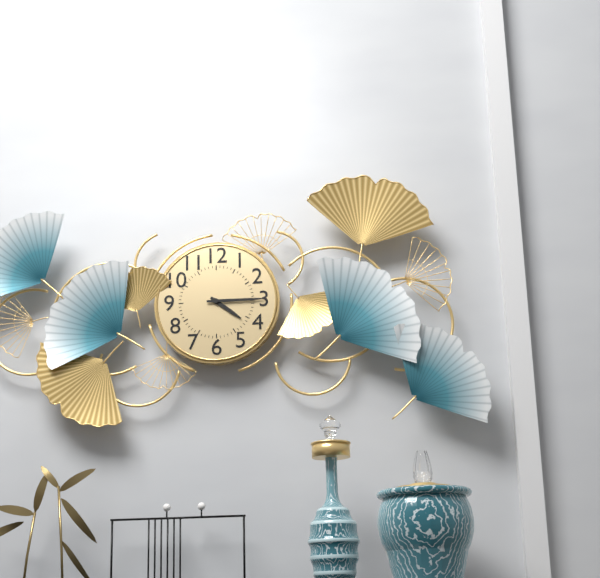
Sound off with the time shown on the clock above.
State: 4:15
